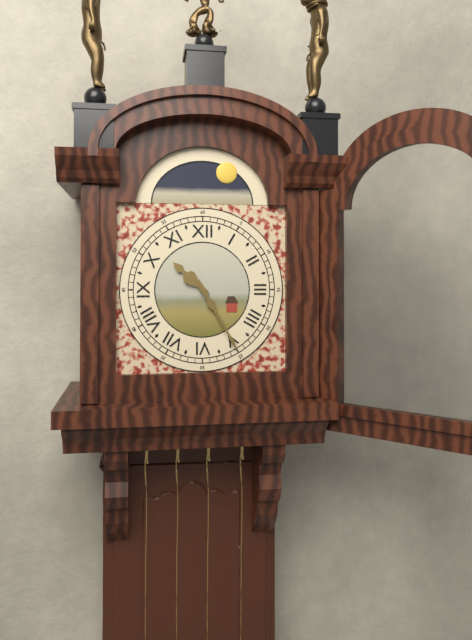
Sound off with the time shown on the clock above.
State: 10:25
